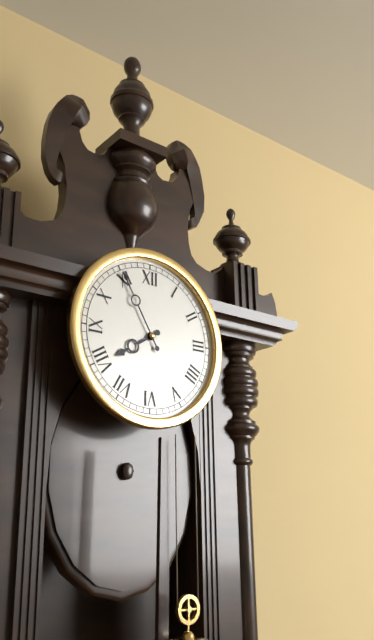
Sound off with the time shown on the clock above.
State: 7:55
